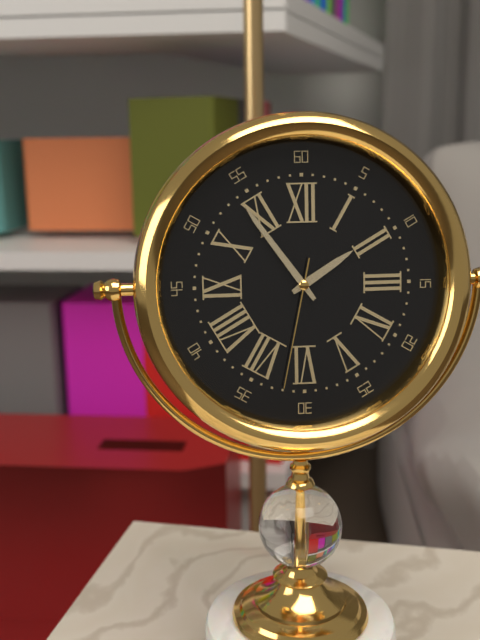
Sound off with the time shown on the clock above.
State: 1:54:32
